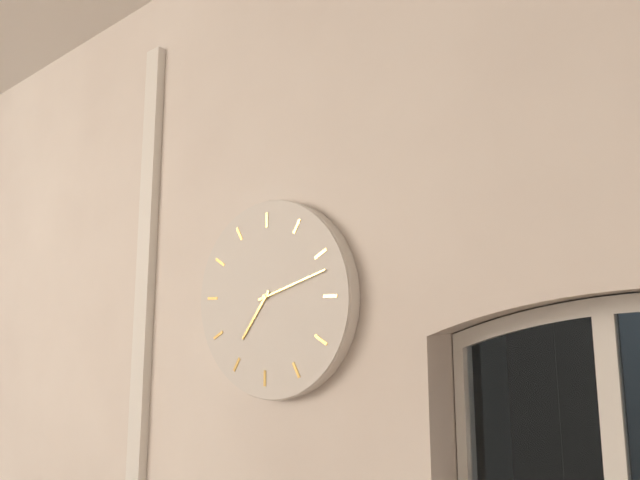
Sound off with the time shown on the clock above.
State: 7:12
